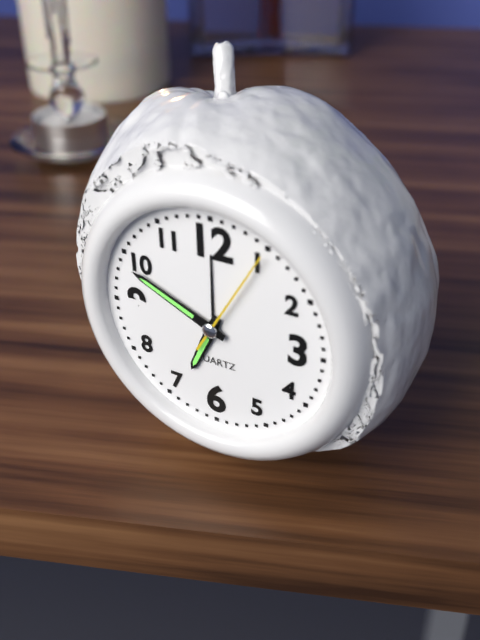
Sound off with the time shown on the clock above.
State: 6:49
